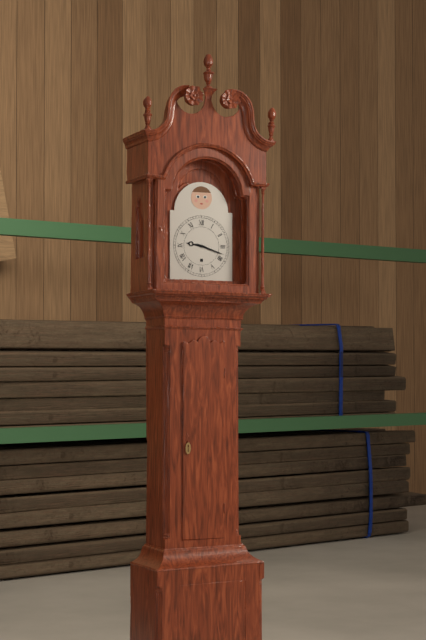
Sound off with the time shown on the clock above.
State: 9:18
